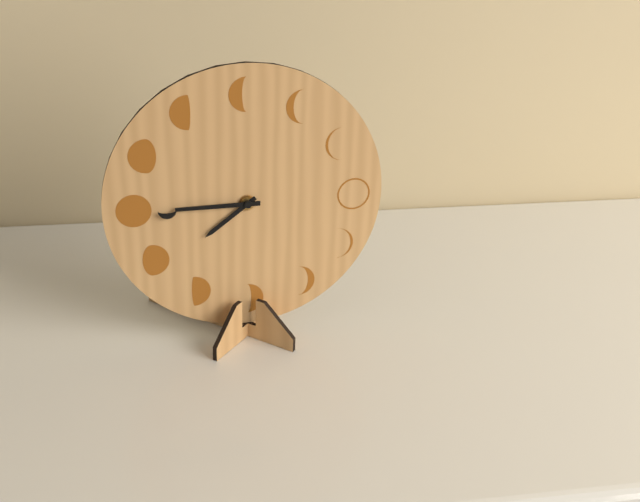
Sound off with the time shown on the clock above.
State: 7:45
